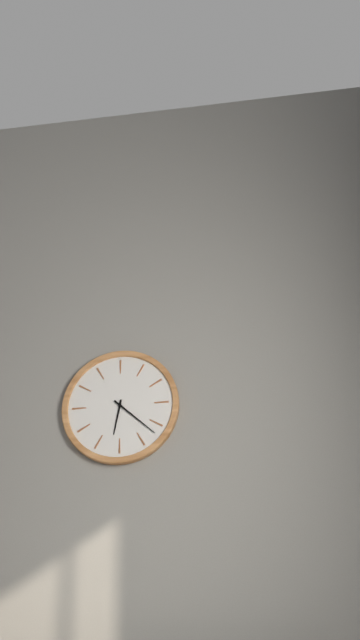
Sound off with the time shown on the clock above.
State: 6:22
